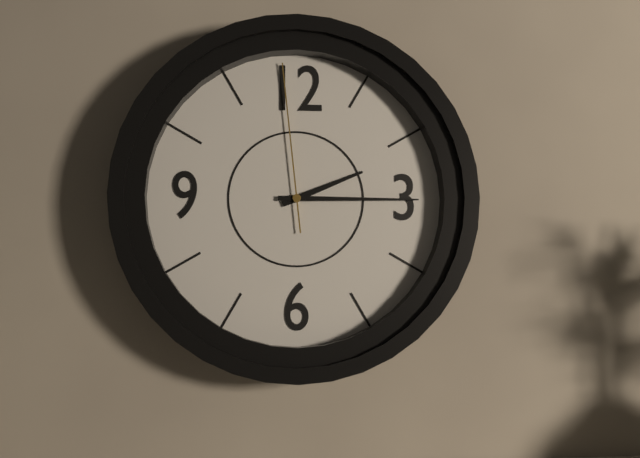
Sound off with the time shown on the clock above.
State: 2:15:59
